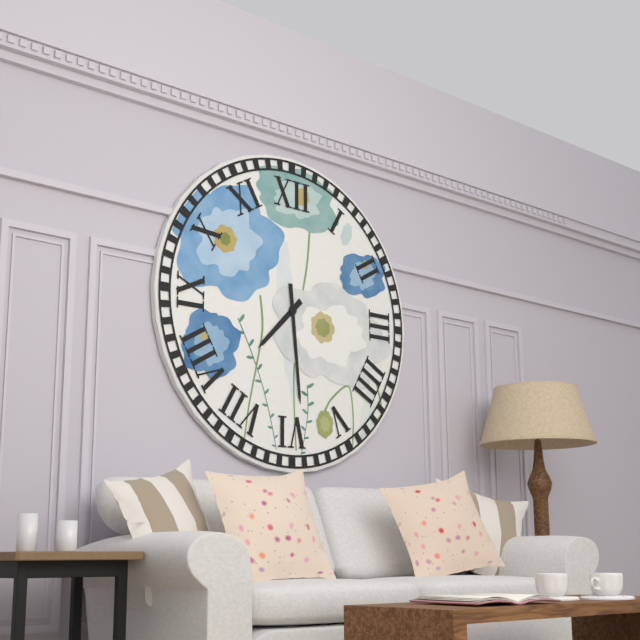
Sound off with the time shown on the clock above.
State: 7:29
